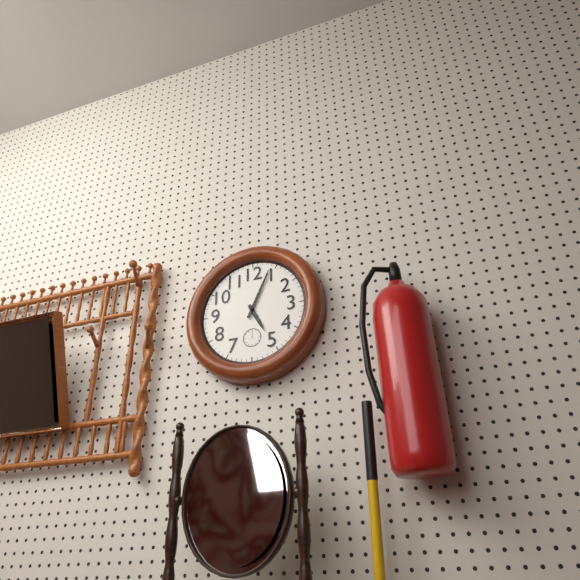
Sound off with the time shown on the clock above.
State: 5:04
